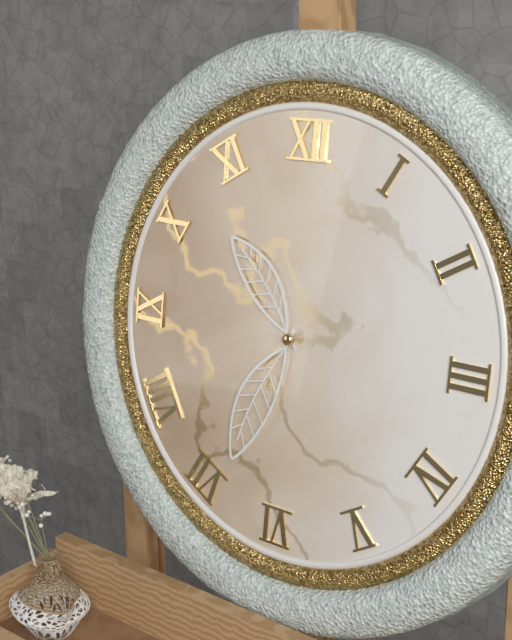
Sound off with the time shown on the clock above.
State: 10:34
